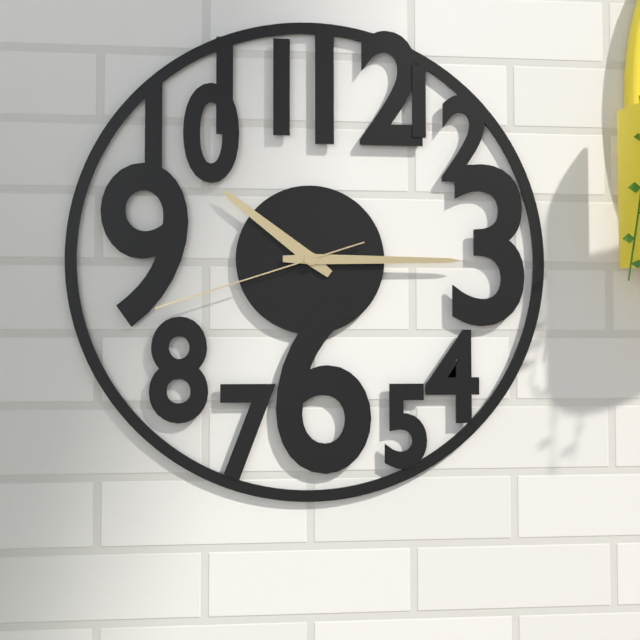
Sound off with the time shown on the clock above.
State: 10:15:42
